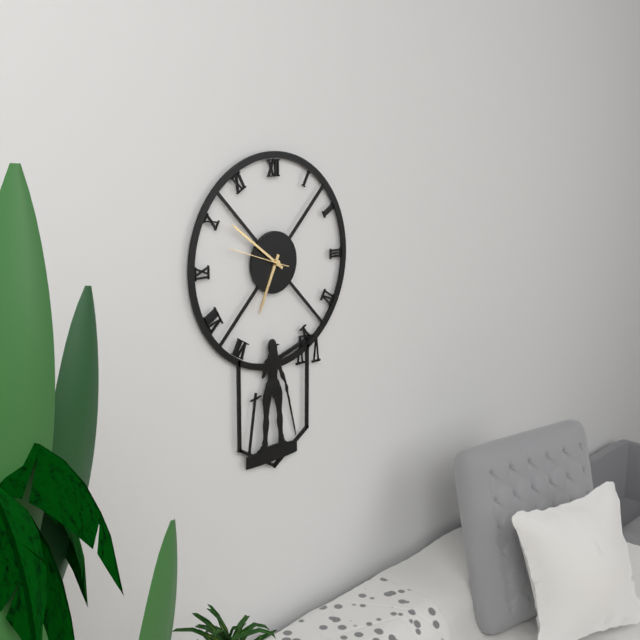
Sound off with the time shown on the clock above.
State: 6:51:48
